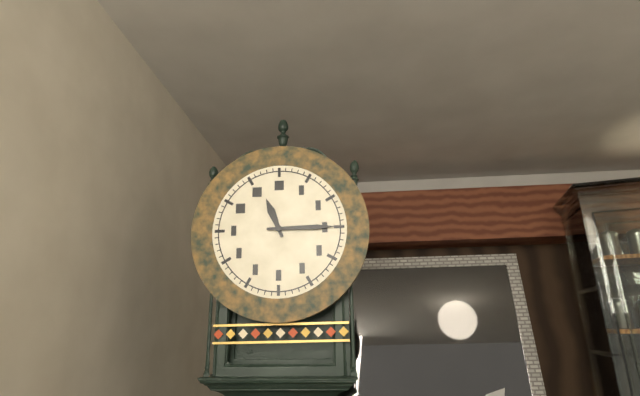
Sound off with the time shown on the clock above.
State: 11:15
